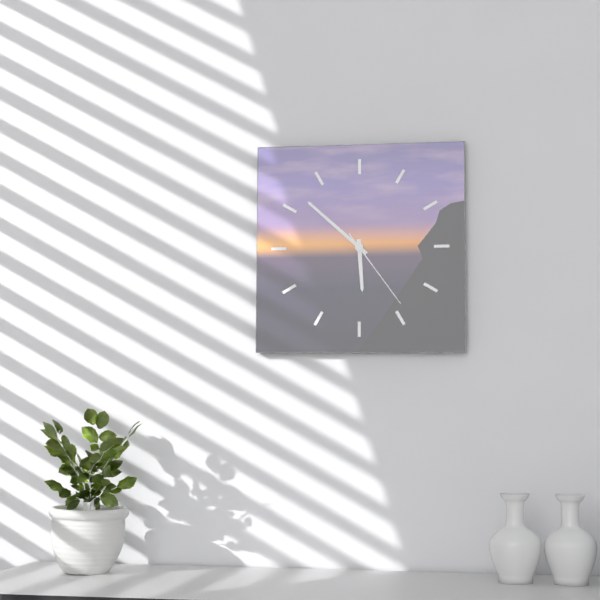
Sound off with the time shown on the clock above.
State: 5:52:24
